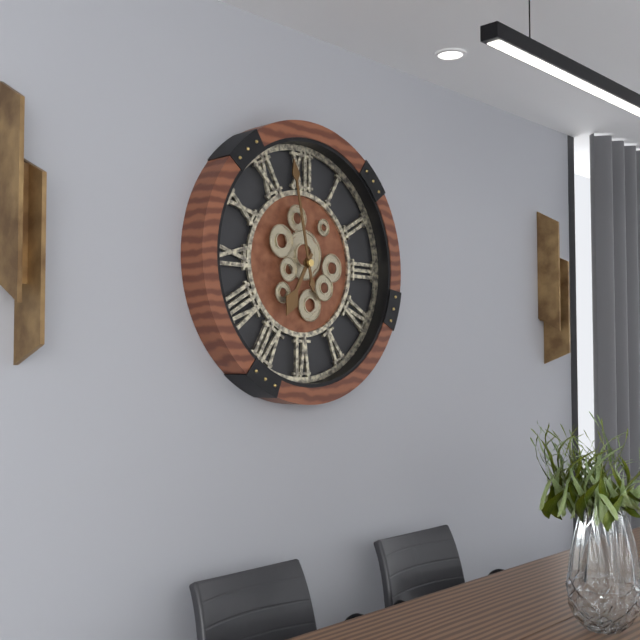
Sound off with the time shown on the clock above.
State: 6:58
